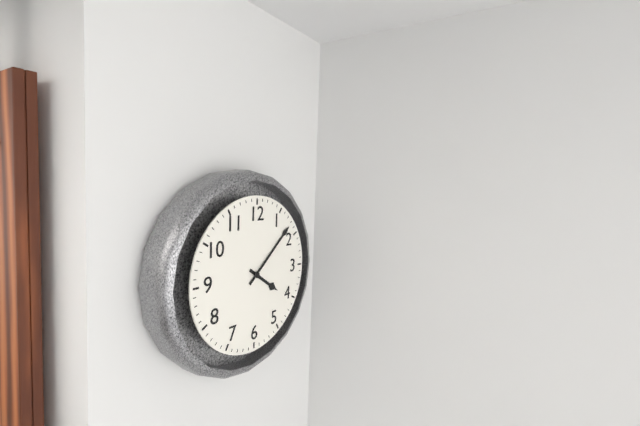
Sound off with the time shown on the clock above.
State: 4:08
